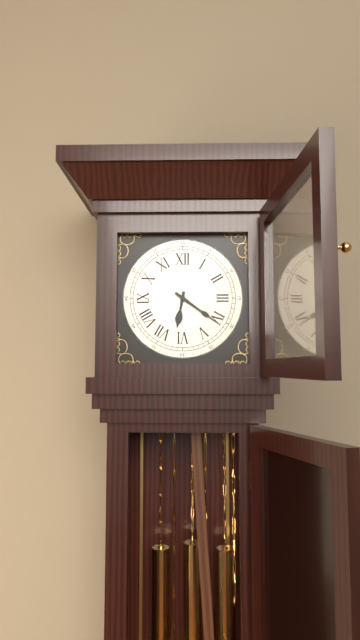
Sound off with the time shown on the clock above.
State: 6:21
